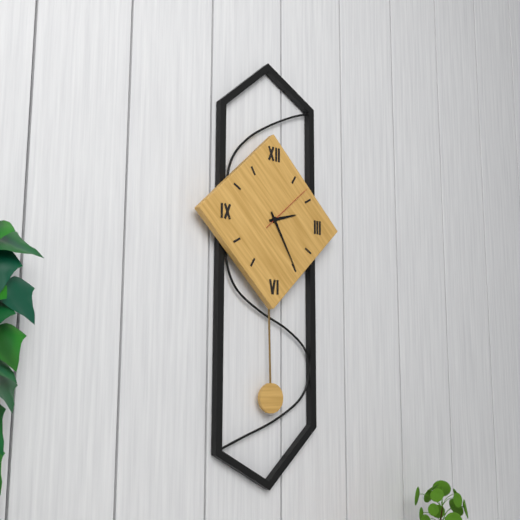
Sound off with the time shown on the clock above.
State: 2:25:08
